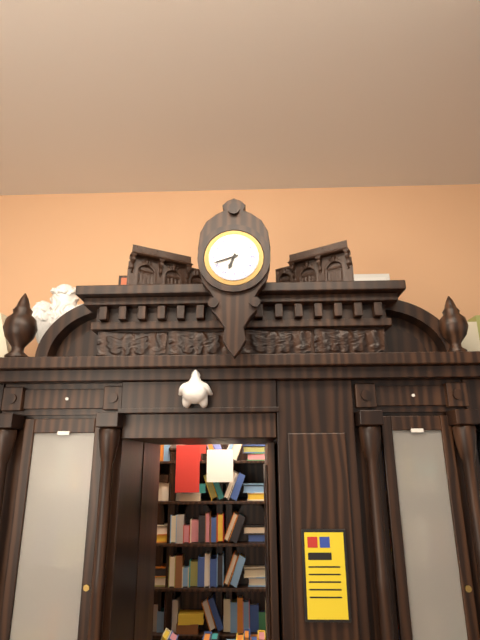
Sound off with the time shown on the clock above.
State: 6:42
